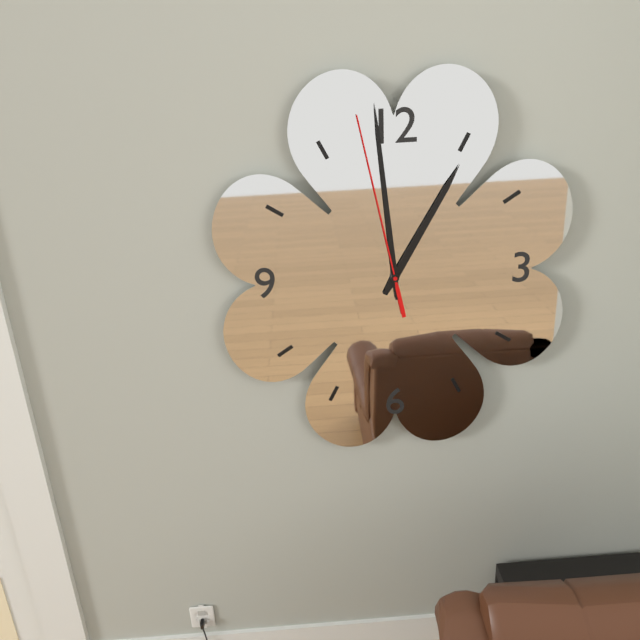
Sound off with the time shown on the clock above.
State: 12:59:58
